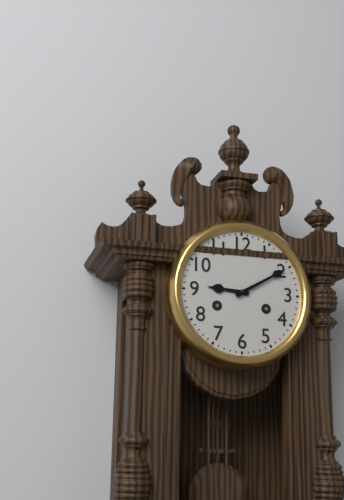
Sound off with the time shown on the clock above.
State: 9:10
